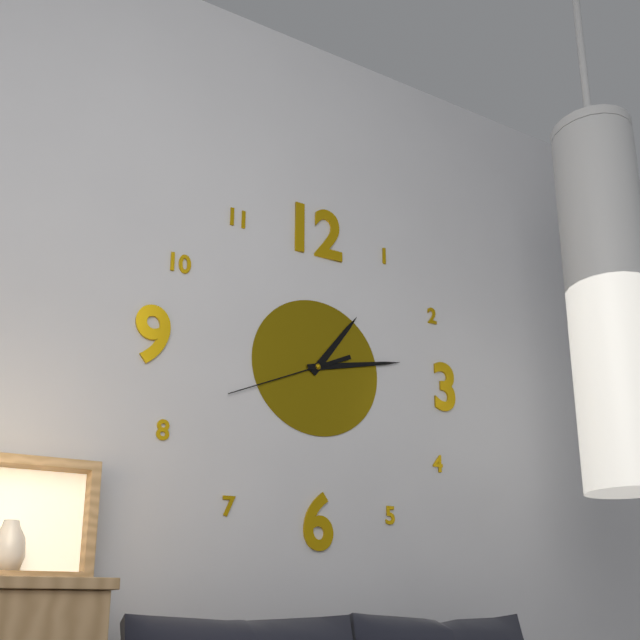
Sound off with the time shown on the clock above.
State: 1:13:41
